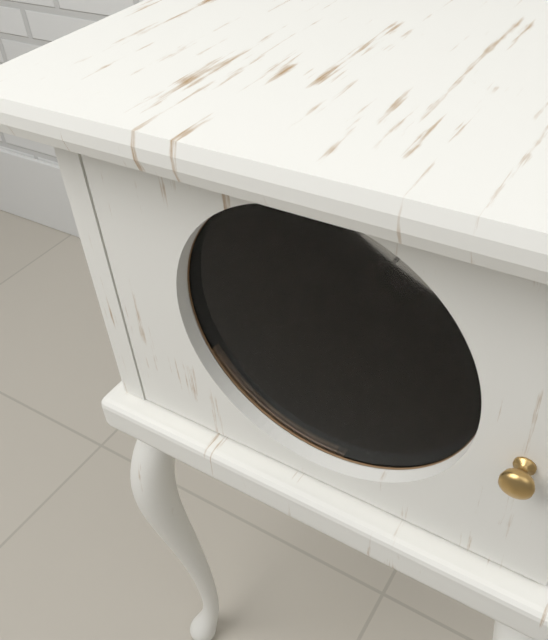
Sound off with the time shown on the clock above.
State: 12:46:57
